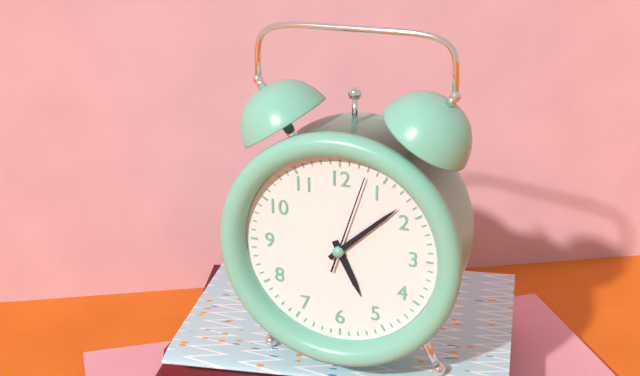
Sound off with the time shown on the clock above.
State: 5:08:03
